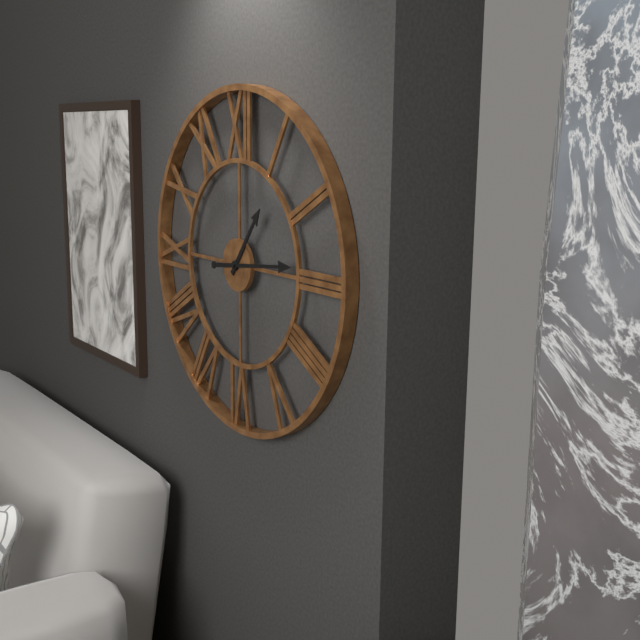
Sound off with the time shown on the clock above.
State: 1:14
